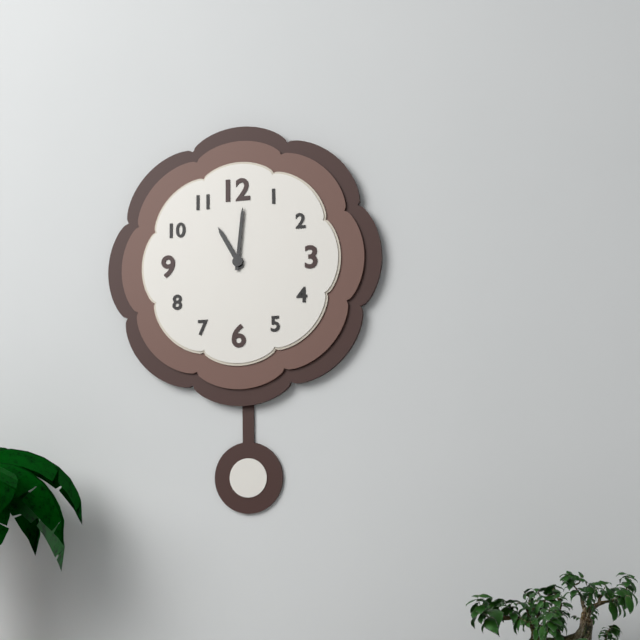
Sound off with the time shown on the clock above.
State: 11:01
